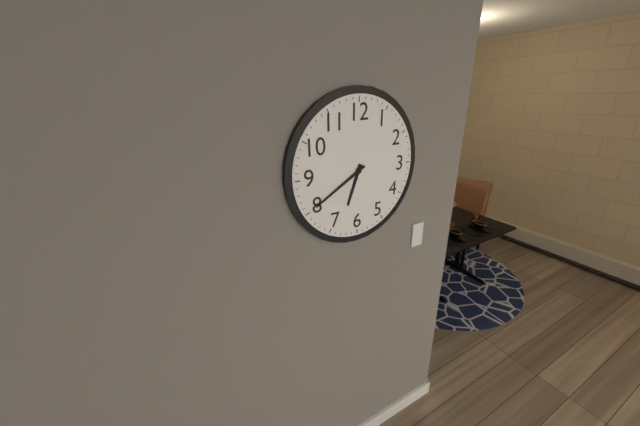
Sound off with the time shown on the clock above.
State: 6:40
